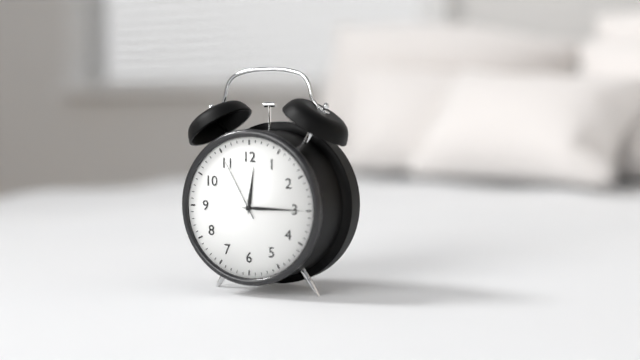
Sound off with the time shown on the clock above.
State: 12:15:55
